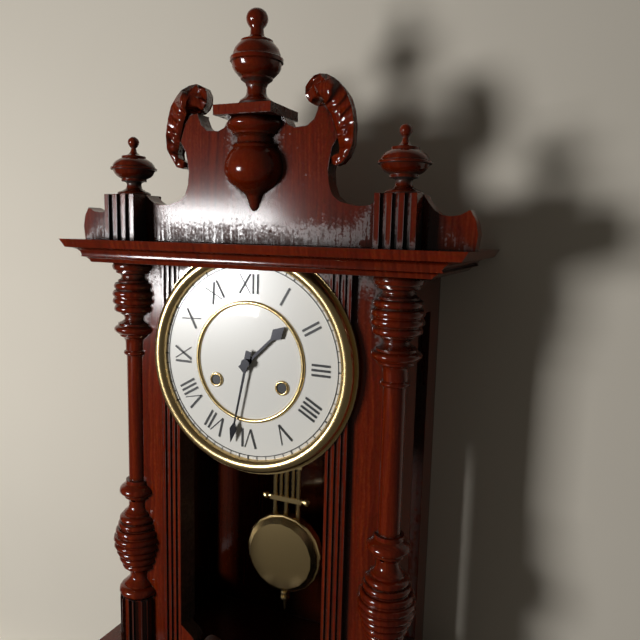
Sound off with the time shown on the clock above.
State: 1:32
